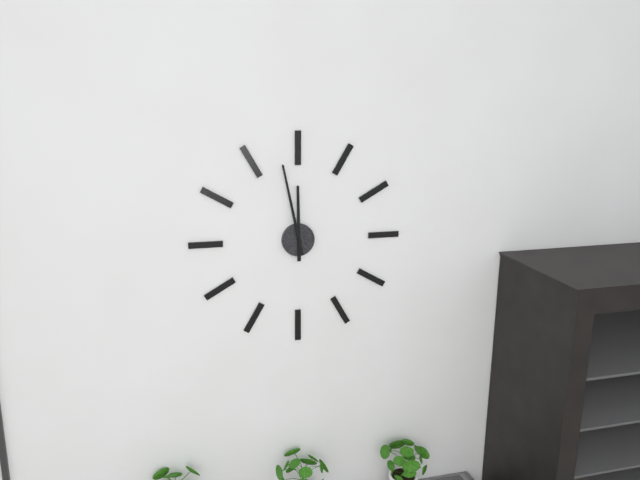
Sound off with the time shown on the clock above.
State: 11:58
